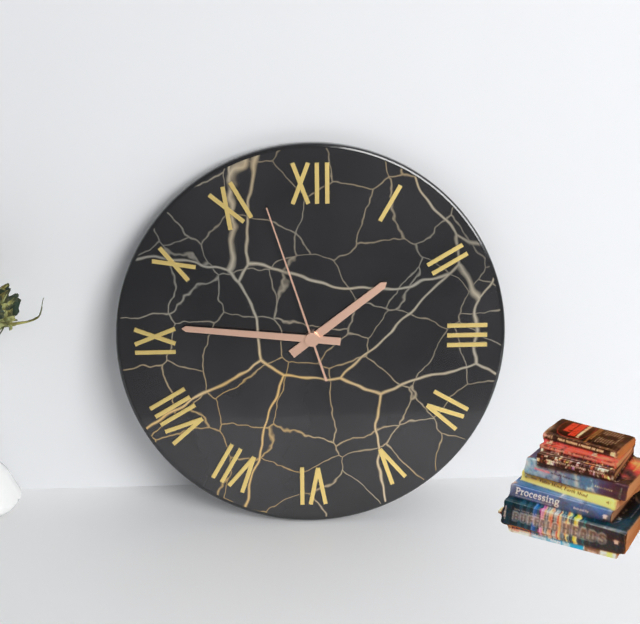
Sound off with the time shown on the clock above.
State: 1:46:57
